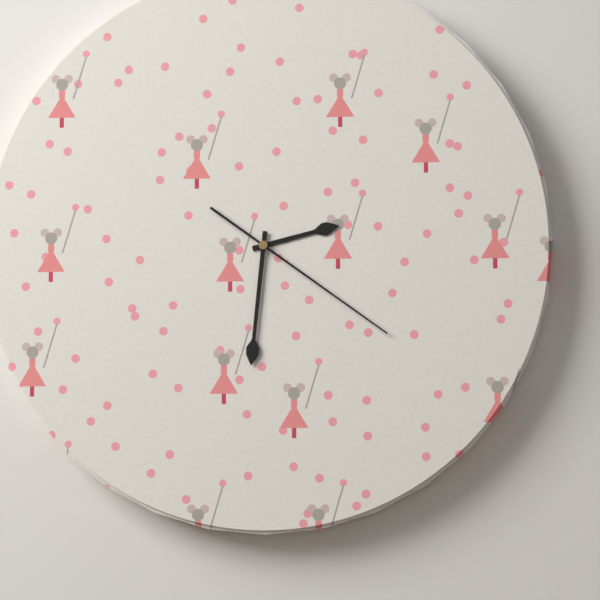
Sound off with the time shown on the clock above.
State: 2:31:21
